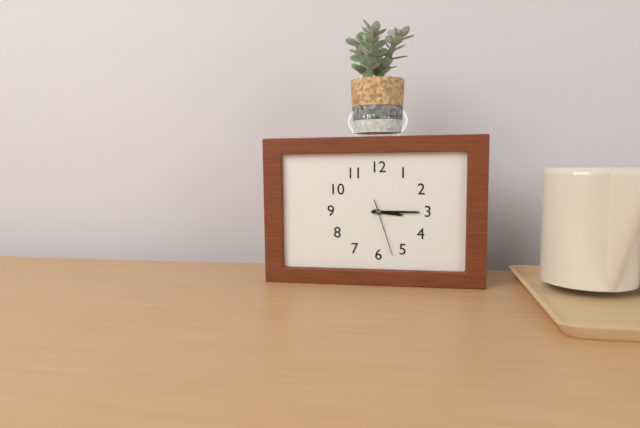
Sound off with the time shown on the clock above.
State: 3:15:27
